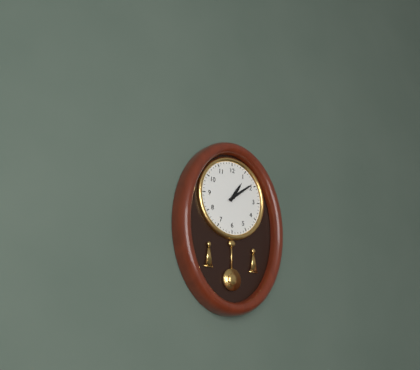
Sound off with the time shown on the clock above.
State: 1:09
